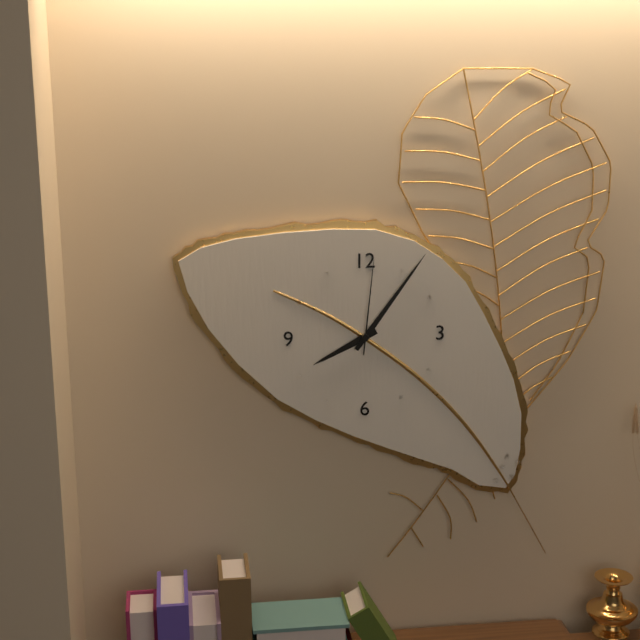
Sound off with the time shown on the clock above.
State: 8:06:01
